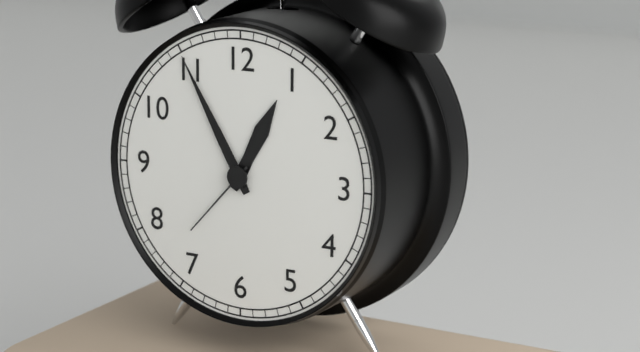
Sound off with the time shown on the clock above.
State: 12:55:37
